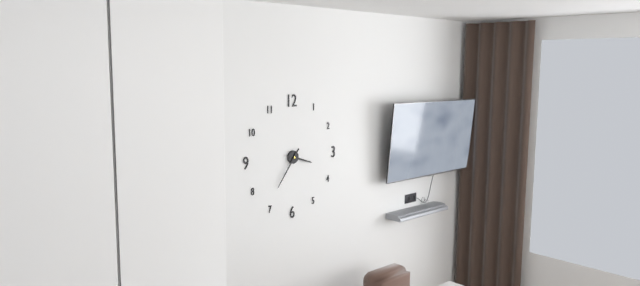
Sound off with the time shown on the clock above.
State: 3:36
